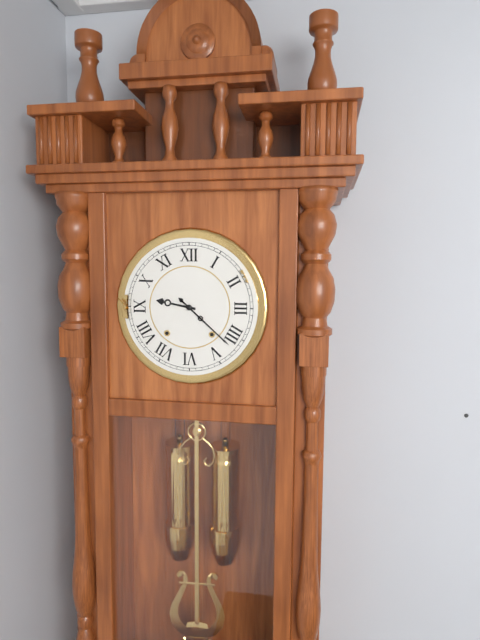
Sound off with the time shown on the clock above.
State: 9:22
